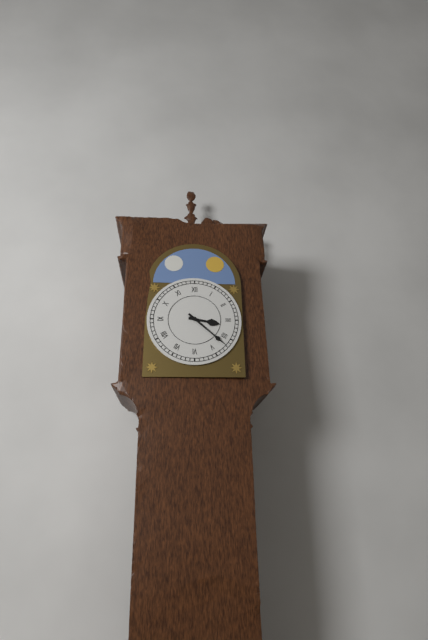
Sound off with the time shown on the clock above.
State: 3:22
